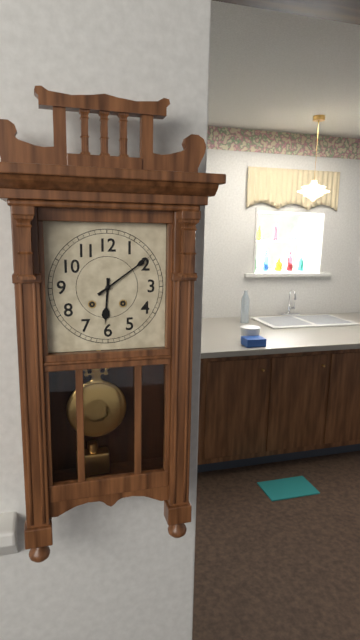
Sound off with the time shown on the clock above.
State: 6:09
